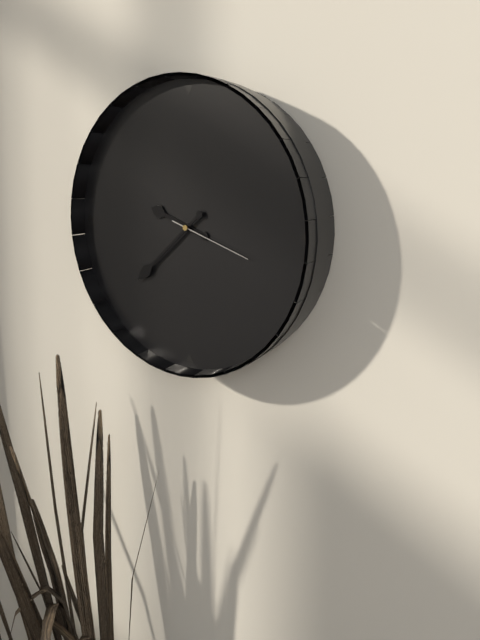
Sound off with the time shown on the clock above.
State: 9:38:18
